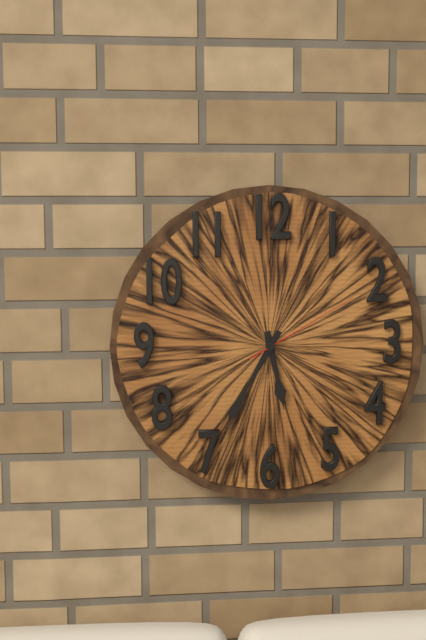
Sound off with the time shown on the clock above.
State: 5:35:10
